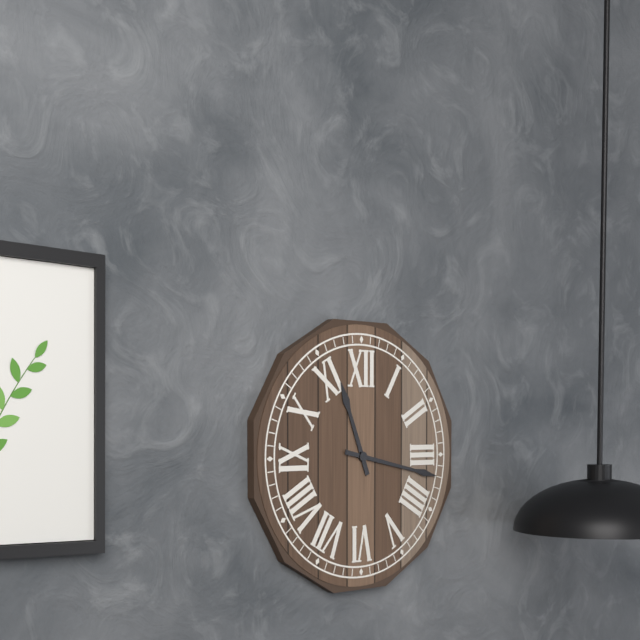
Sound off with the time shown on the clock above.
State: 11:17
